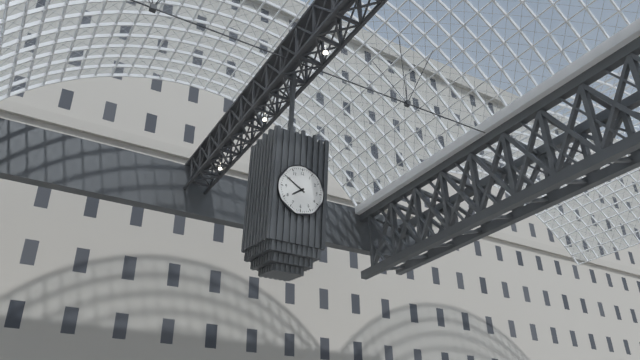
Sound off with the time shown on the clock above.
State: 7:50
